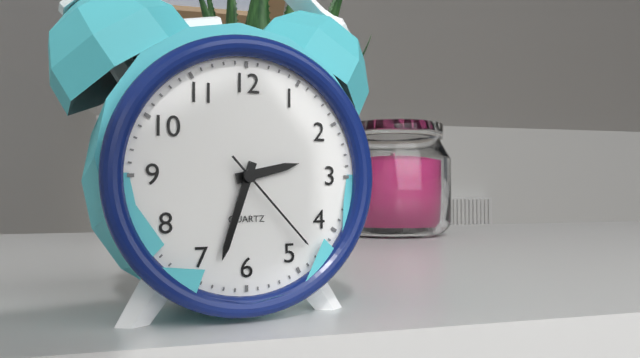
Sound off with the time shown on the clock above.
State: 2:33:23
